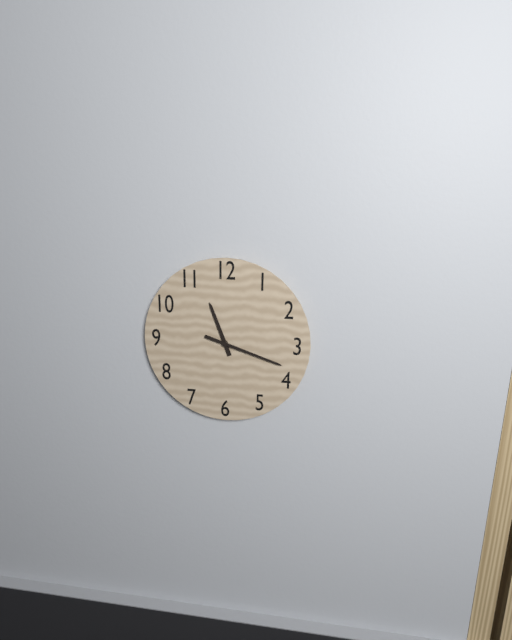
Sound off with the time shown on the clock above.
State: 11:18
